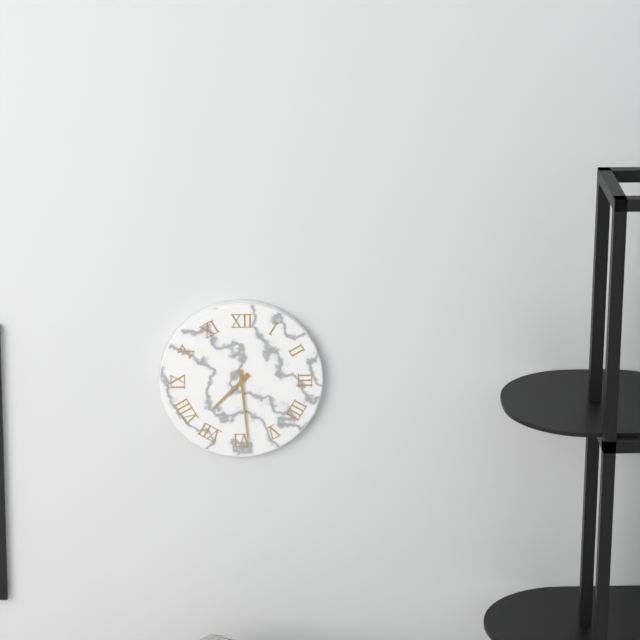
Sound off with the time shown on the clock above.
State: 7:29
